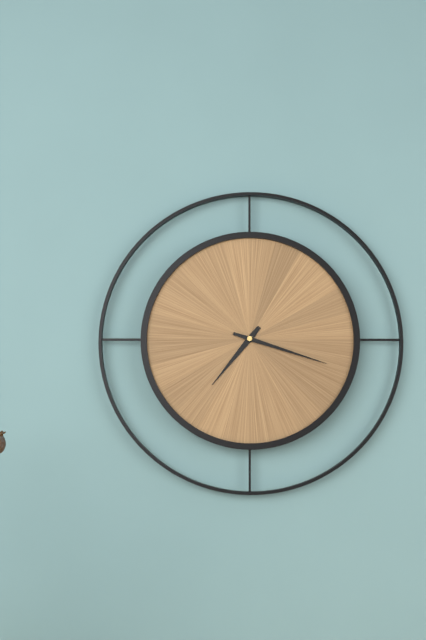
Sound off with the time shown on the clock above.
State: 7:18
